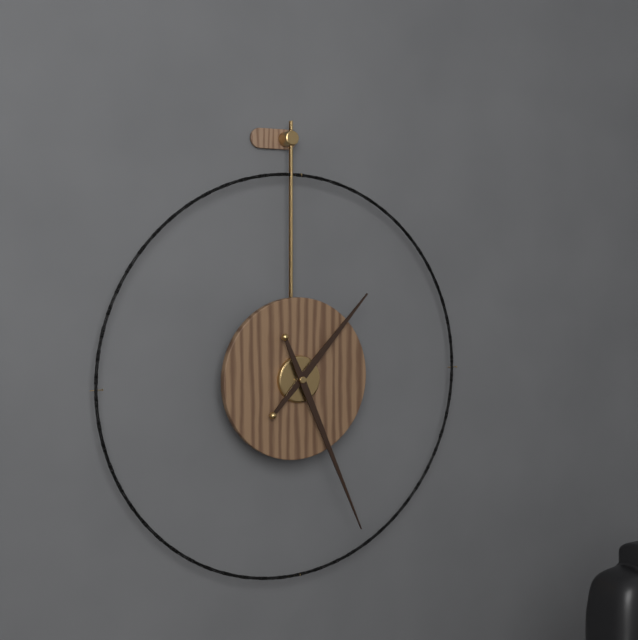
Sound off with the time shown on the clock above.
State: 1:26
